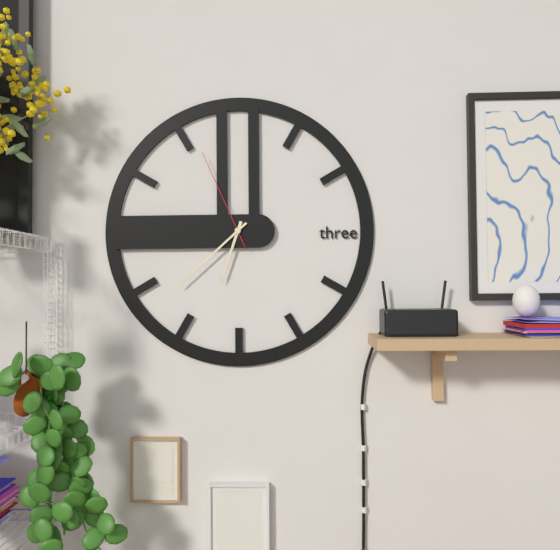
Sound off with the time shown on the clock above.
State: 6:38:56
